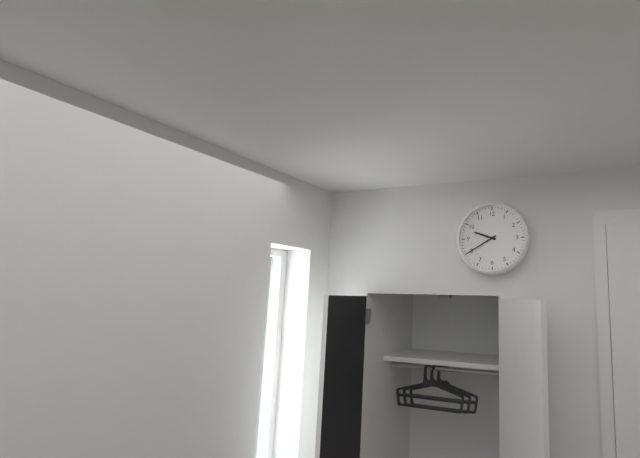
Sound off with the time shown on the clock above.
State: 9:40
